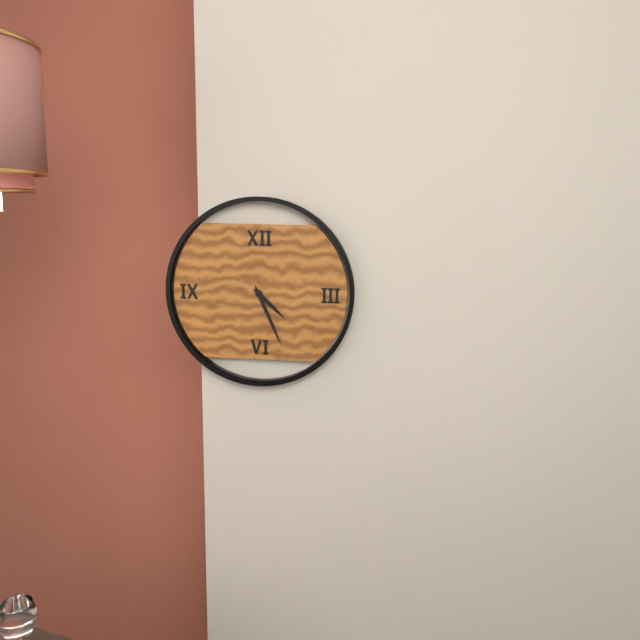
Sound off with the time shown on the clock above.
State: 4:26
